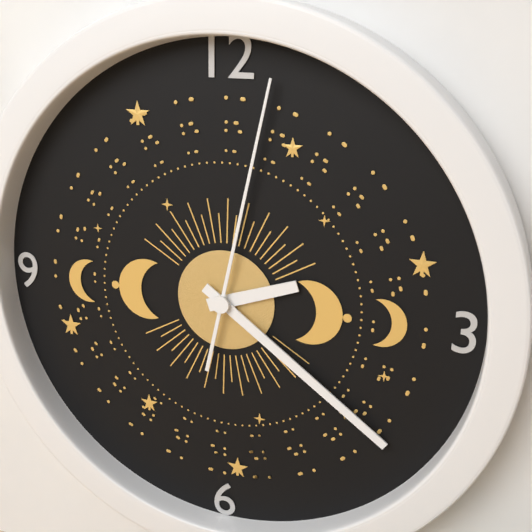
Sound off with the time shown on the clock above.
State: 2:21:02
